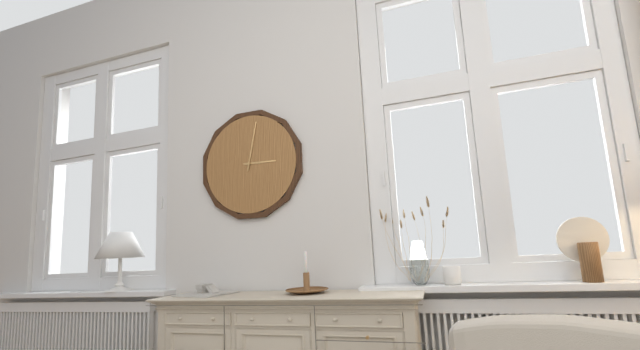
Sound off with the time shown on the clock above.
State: 3:02
